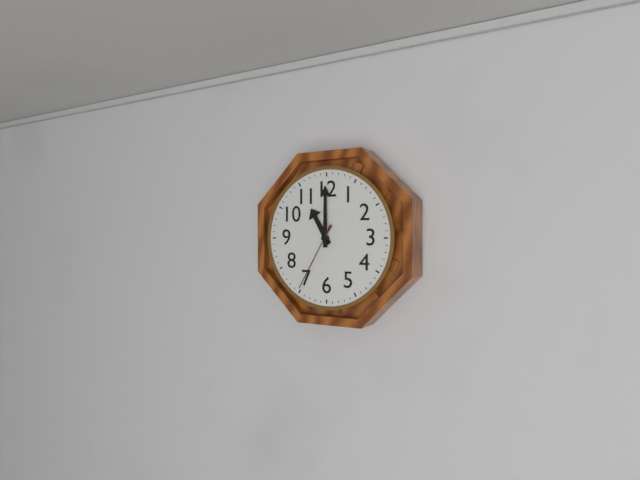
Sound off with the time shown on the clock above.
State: 11:00:35
